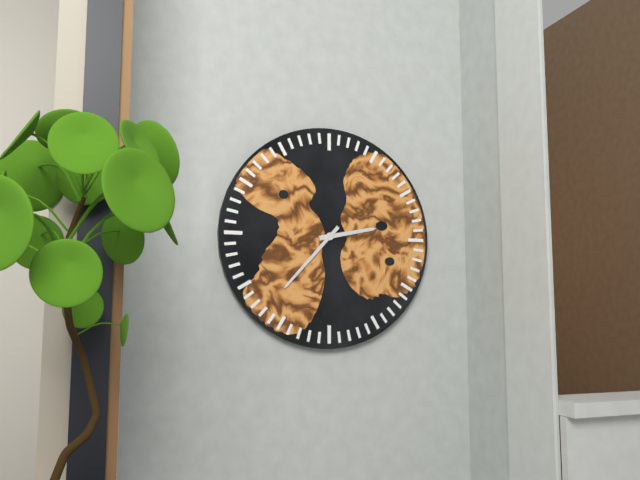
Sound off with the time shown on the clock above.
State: 2:37
